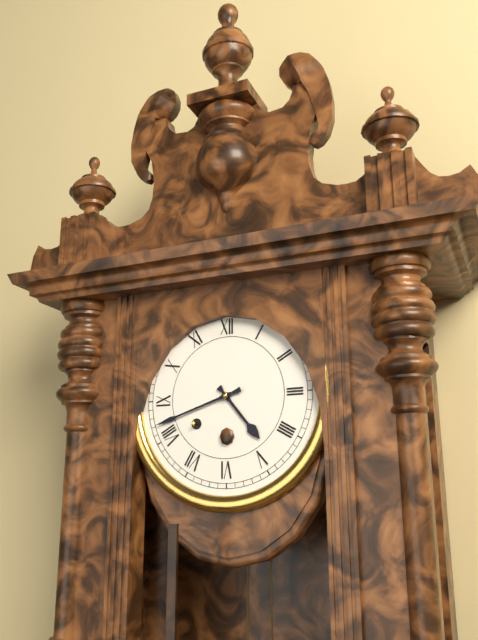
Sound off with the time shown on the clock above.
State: 4:42
